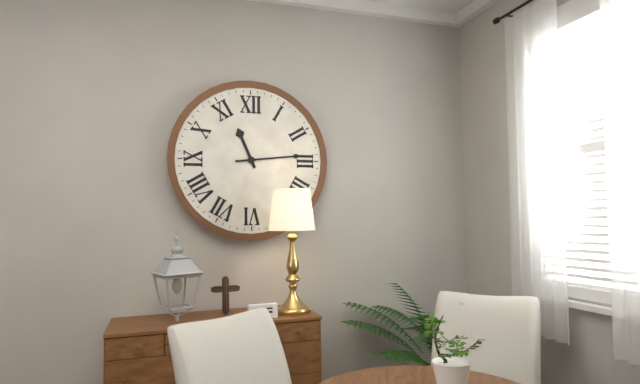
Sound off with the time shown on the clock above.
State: 11:14
